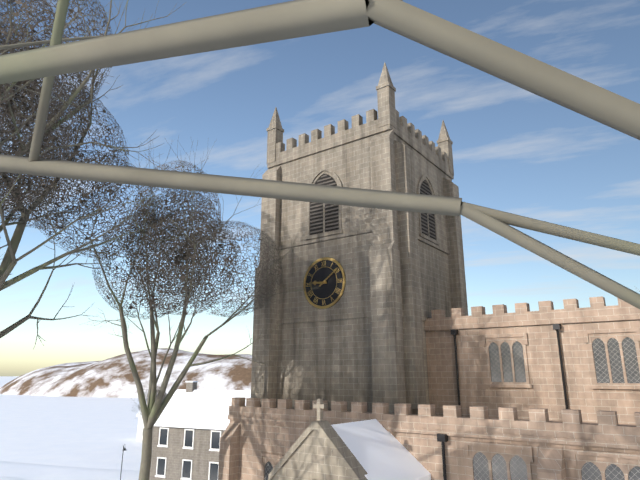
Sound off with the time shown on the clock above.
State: 9:09
